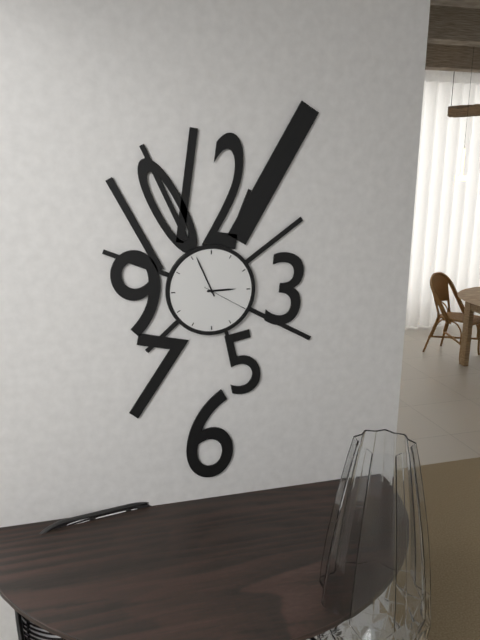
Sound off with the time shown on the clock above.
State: 2:56
